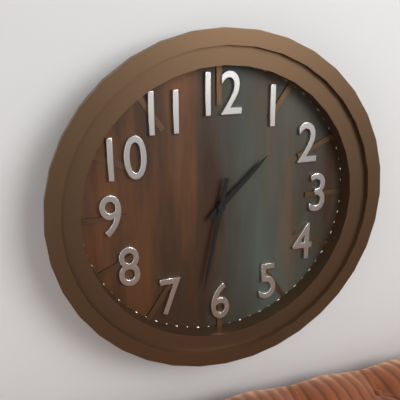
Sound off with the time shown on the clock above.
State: 1:32
